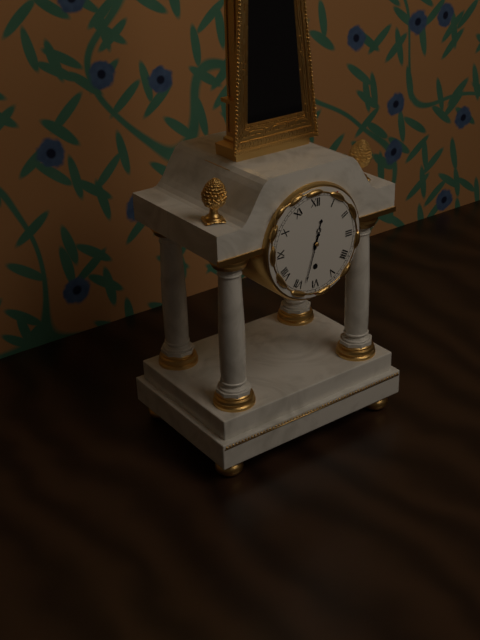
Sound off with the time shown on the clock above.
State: 12:33
